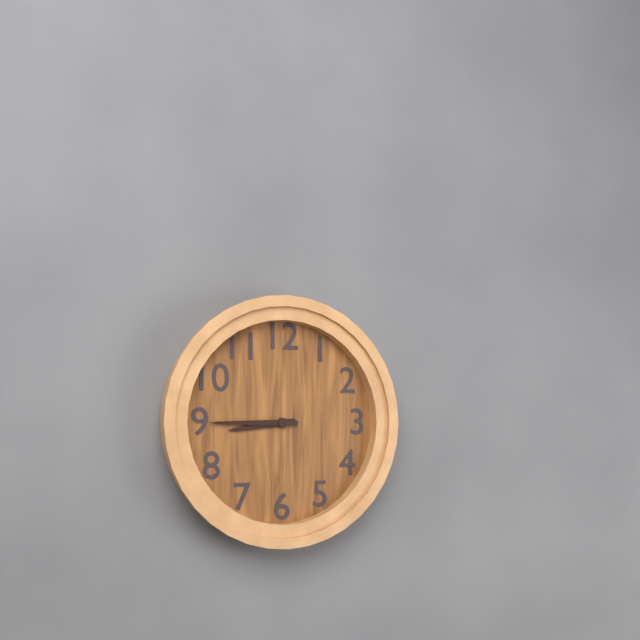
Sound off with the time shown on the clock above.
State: 8:45
